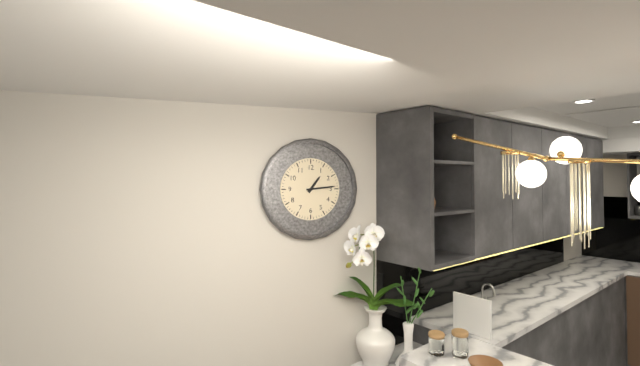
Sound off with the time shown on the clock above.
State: 1:14
